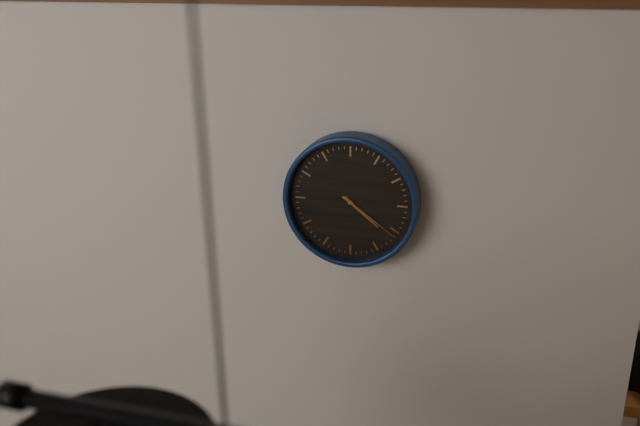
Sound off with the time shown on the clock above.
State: 4:21
